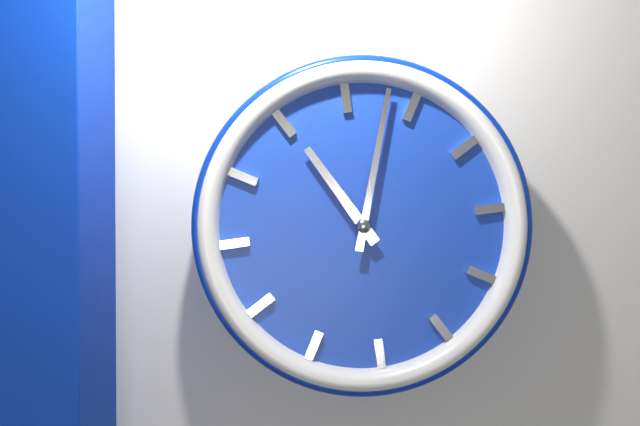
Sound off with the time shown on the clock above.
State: 11:03
